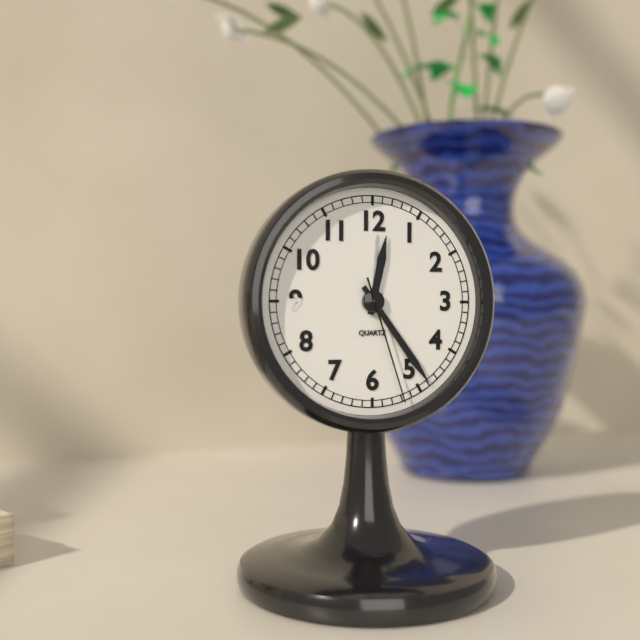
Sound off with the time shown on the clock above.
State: 12:24:27
